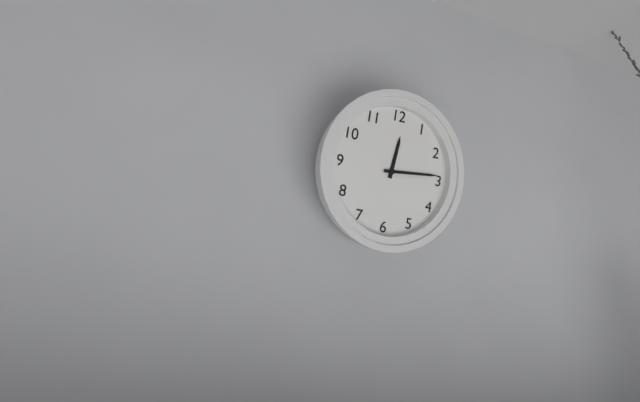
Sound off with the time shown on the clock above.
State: 12:14
